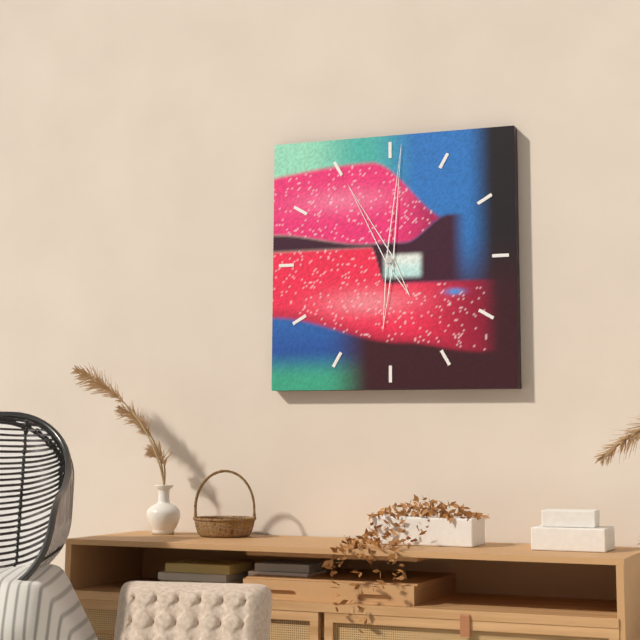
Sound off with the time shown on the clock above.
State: 11:01
